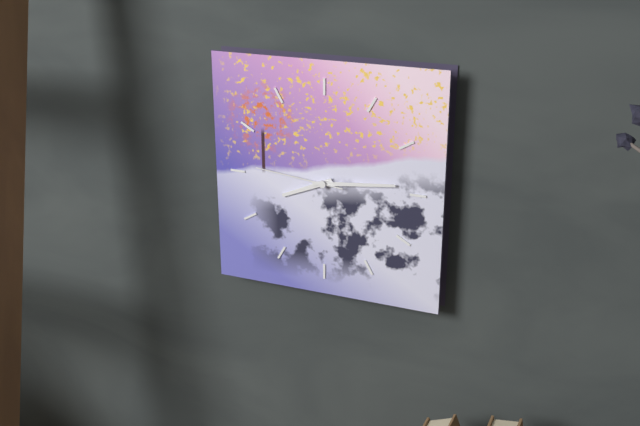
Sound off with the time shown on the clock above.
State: 8:14:46
